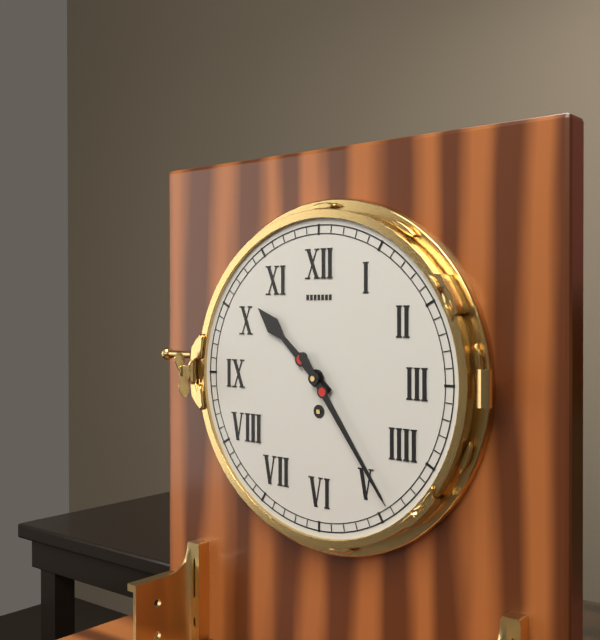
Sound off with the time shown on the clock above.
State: 10:24
